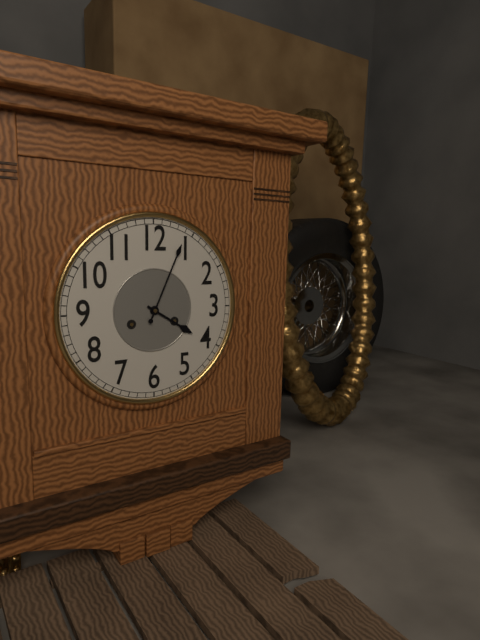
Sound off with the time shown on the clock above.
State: 4:04
